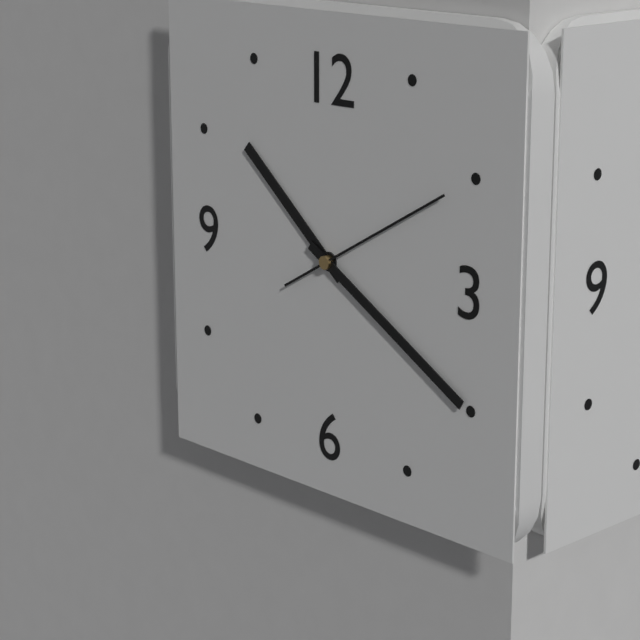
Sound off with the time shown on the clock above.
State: 10:20:10
